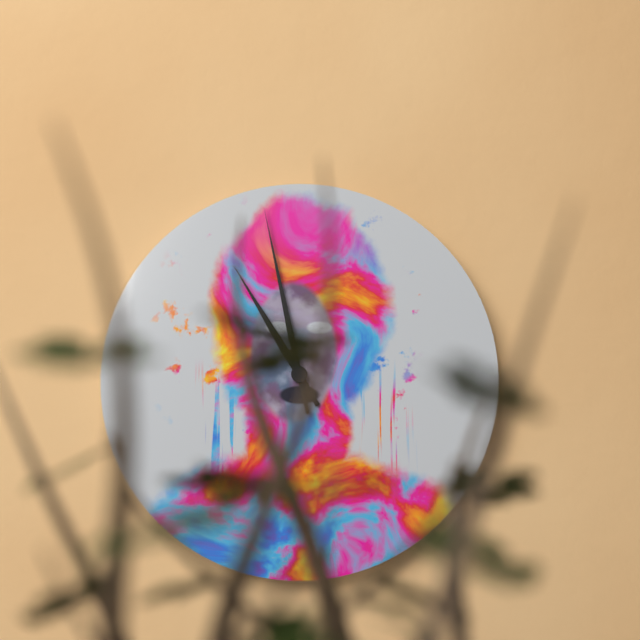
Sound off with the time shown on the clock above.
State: 10:58
